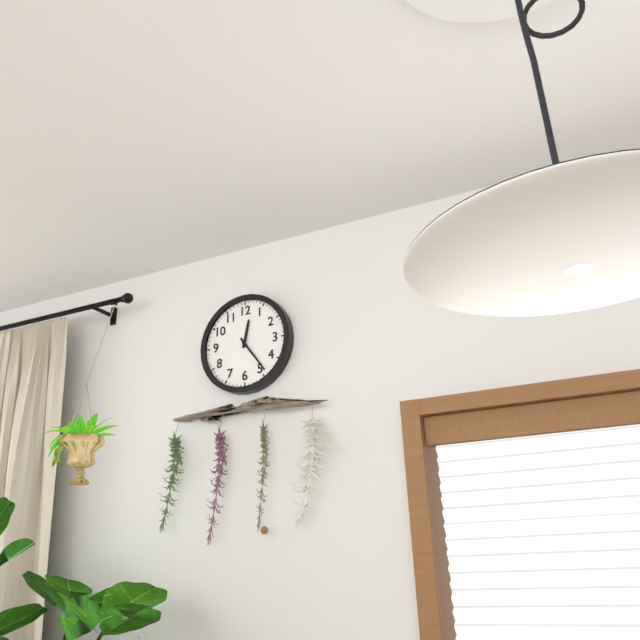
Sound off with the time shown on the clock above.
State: 12:24
